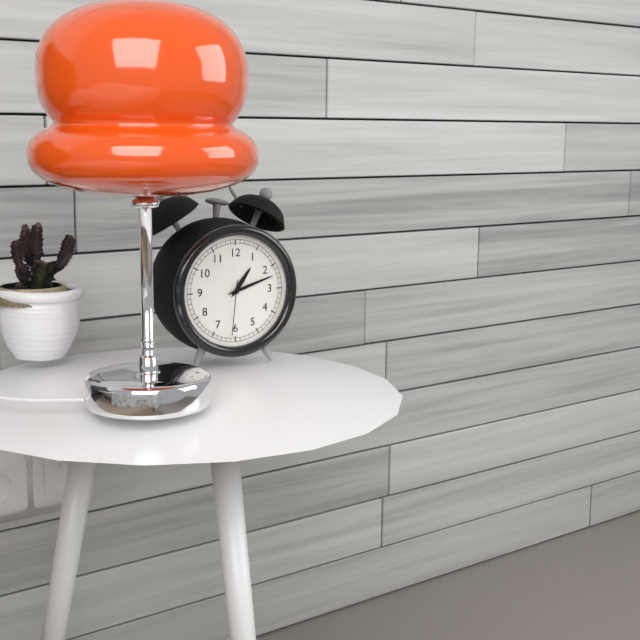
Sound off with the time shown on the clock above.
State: 1:12:31
